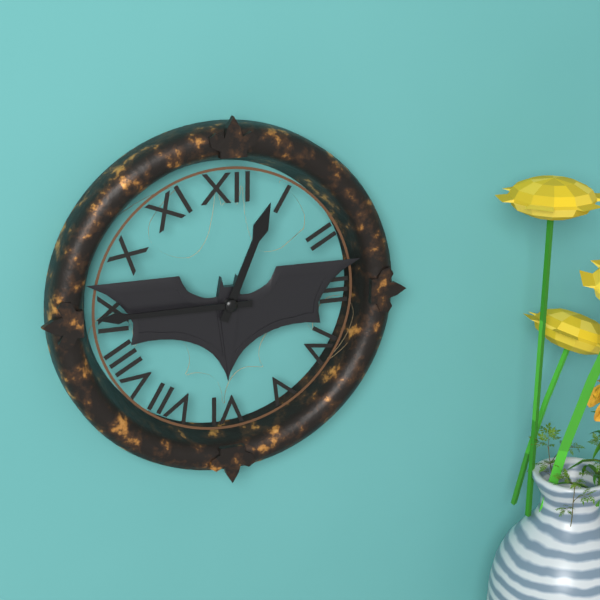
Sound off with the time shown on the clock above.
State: 12:45
